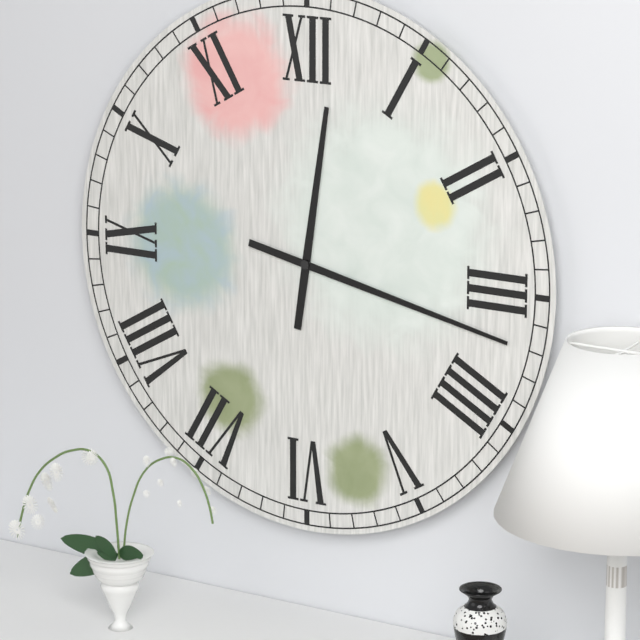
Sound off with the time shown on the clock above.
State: 12:17
